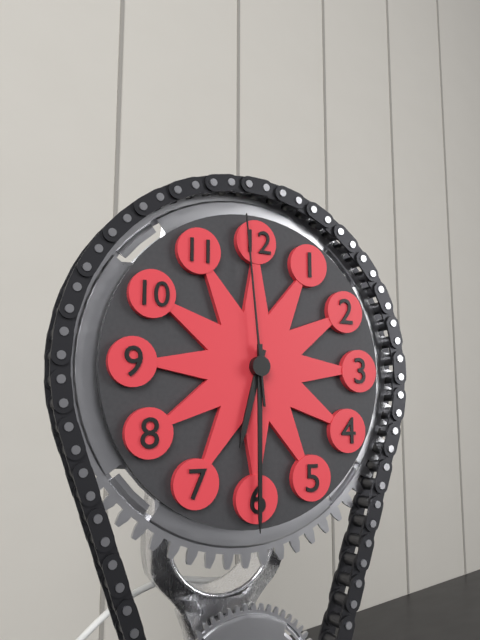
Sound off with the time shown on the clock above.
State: 6:30:59
